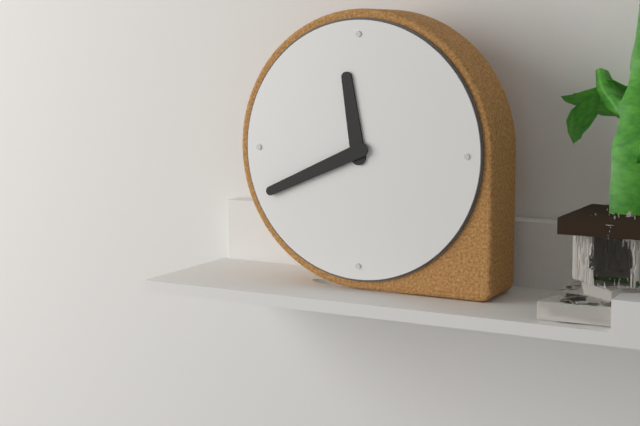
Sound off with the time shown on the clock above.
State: 11:41
